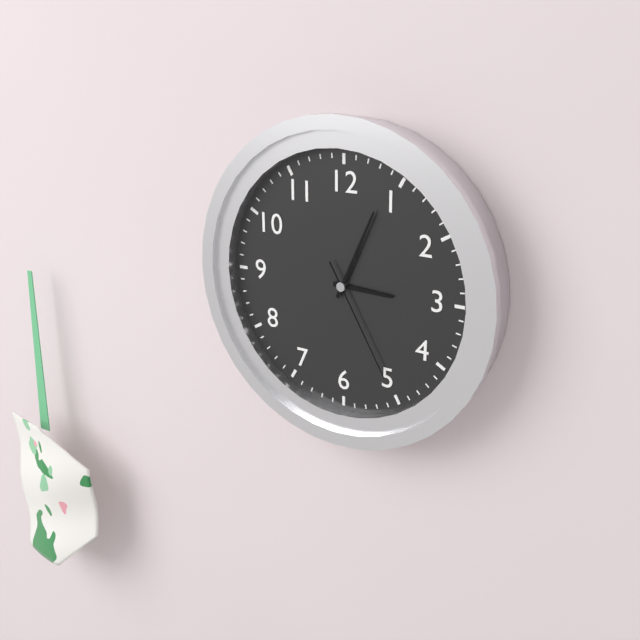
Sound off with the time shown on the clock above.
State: 3:04:25
